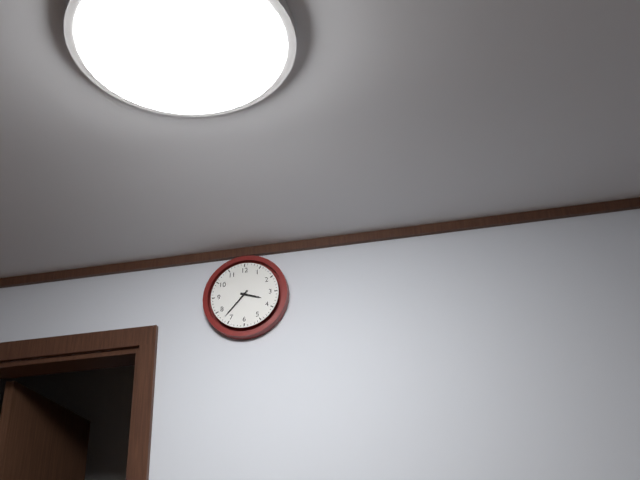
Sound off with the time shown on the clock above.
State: 3:37
